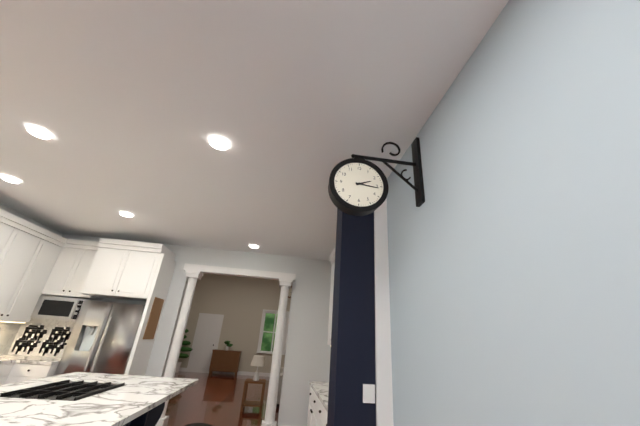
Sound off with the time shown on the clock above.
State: 2:16
